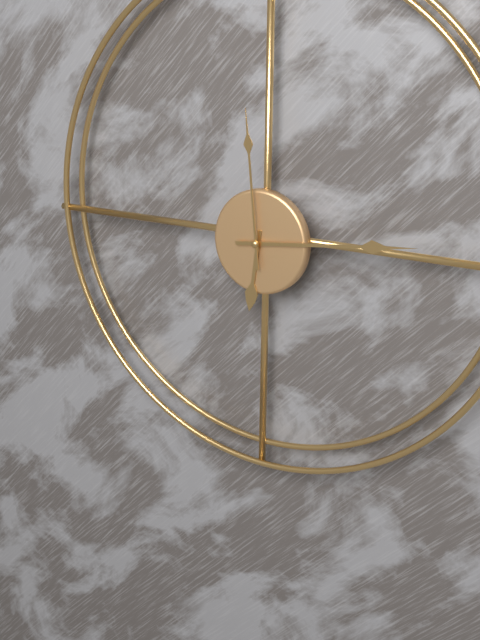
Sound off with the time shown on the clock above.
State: 6:14:59
